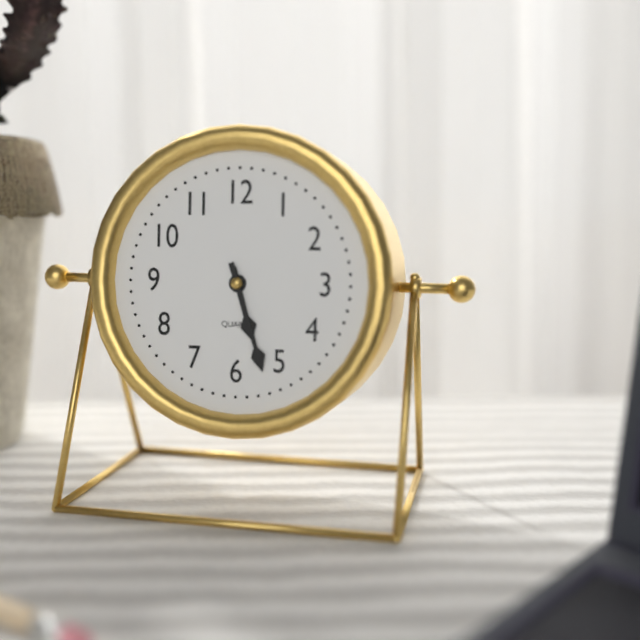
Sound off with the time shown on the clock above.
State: 5:27
